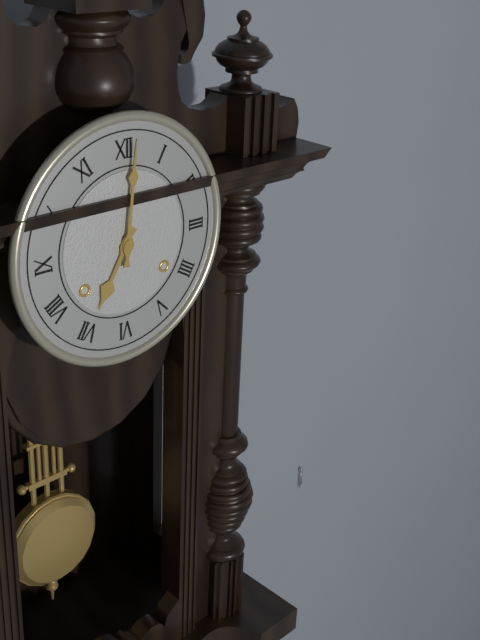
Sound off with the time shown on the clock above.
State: 7:01
